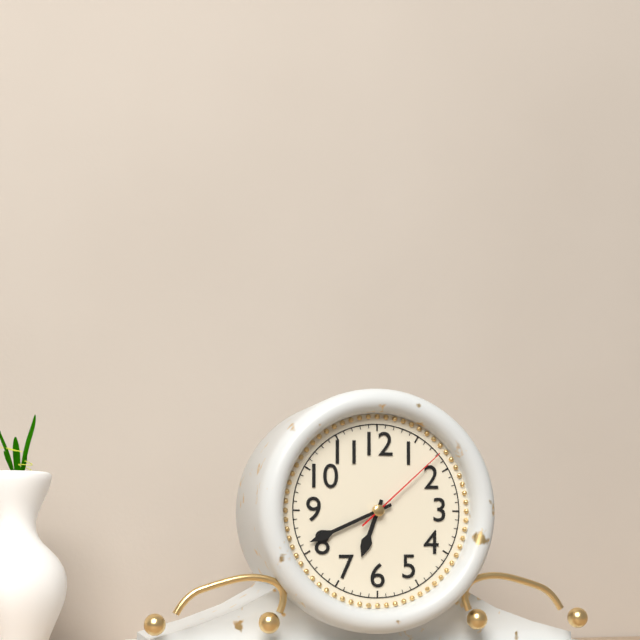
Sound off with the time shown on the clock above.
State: 6:41:08
